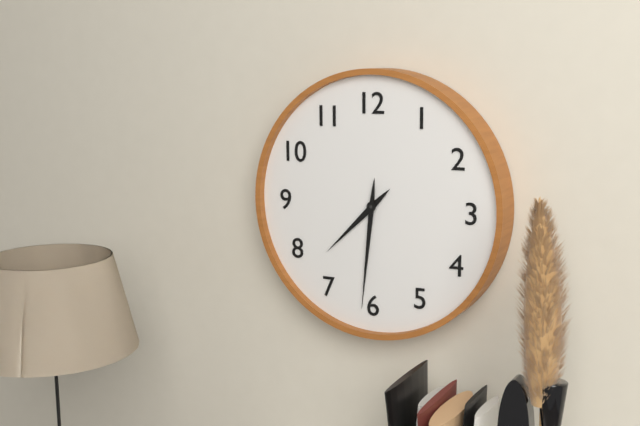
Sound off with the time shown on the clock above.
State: 7:31
